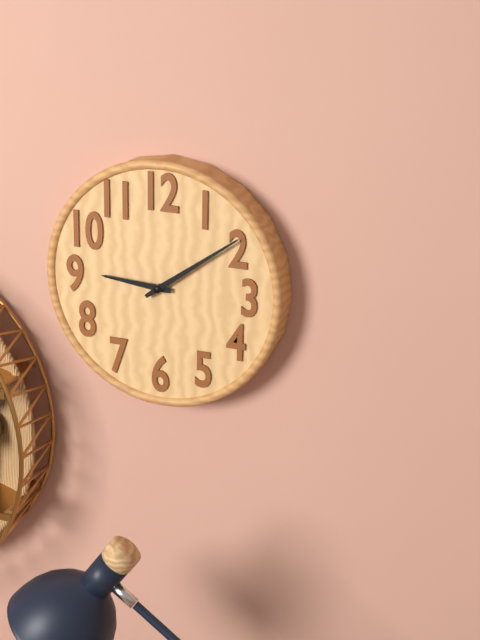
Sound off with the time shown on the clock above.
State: 9:09
